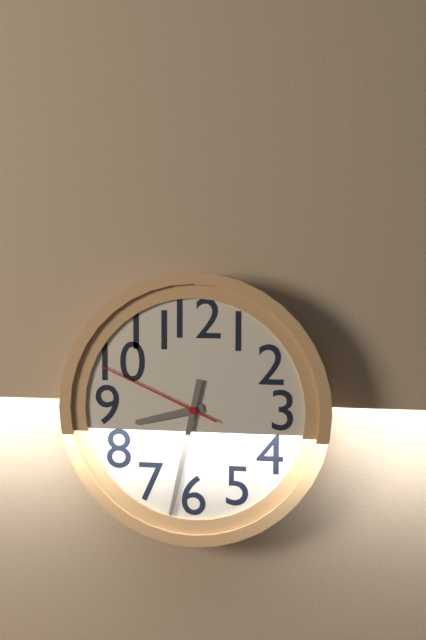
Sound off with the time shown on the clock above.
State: 8:32:49
